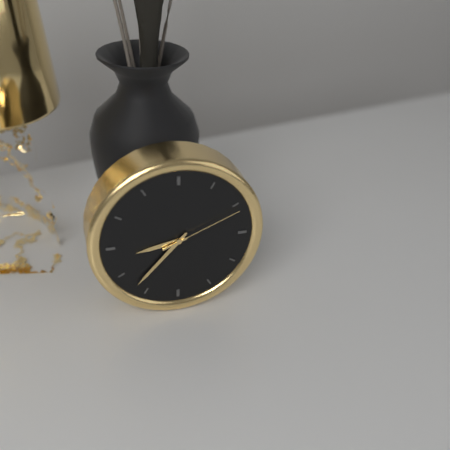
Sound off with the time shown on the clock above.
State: 8:37:11
